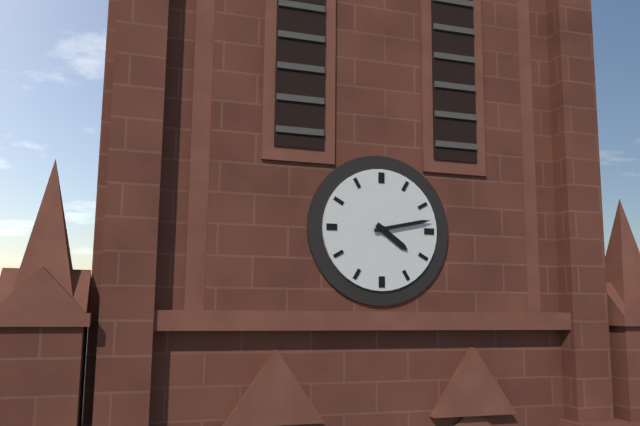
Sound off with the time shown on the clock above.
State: 4:13
